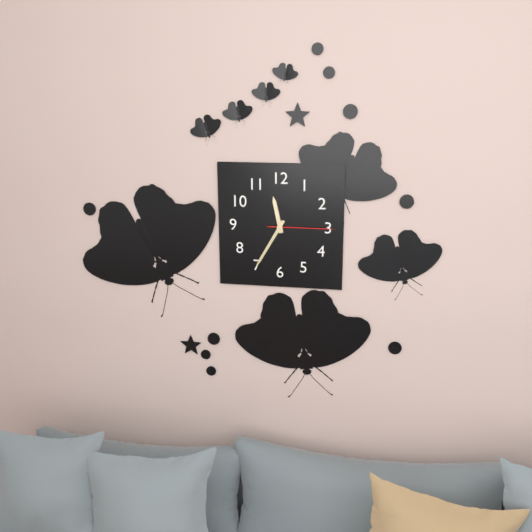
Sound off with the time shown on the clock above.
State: 11:35:15
